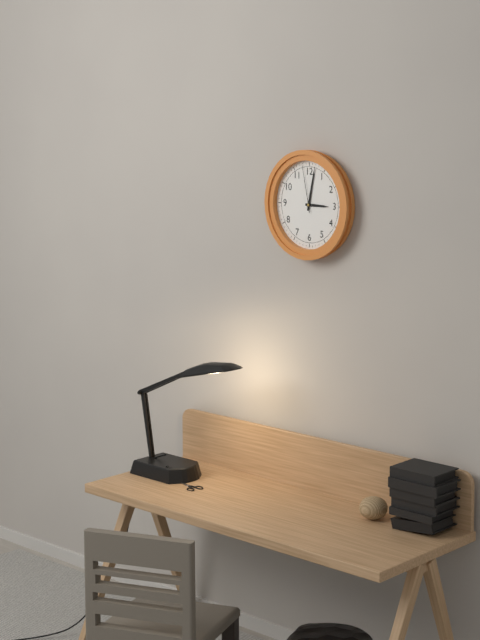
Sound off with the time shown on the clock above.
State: 3:02:58
